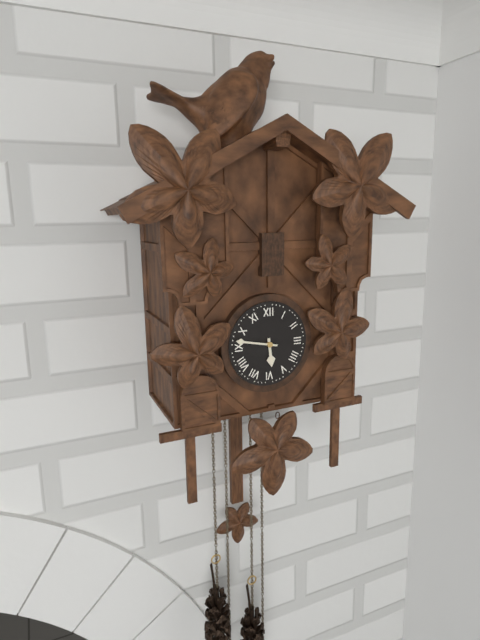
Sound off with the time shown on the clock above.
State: 5:47
